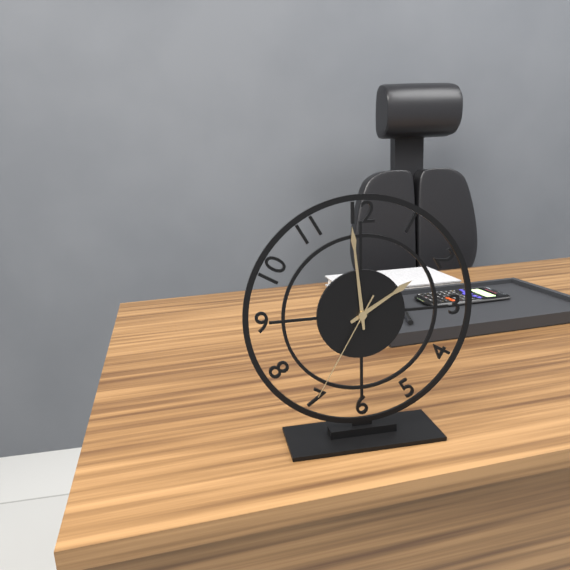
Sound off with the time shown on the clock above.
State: 1:59:35
